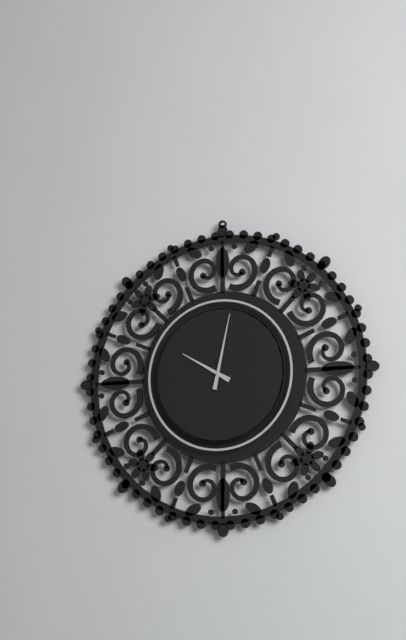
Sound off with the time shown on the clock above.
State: 10:02
